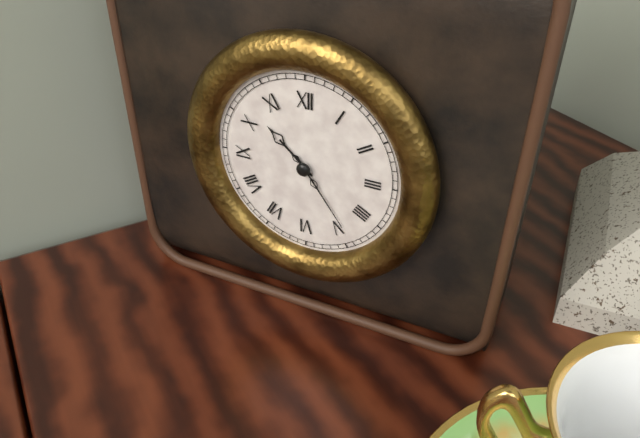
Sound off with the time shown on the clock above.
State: 10:24
